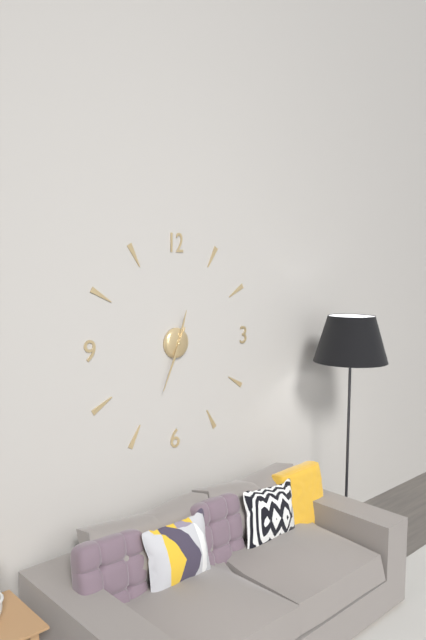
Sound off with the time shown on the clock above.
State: 12:34
